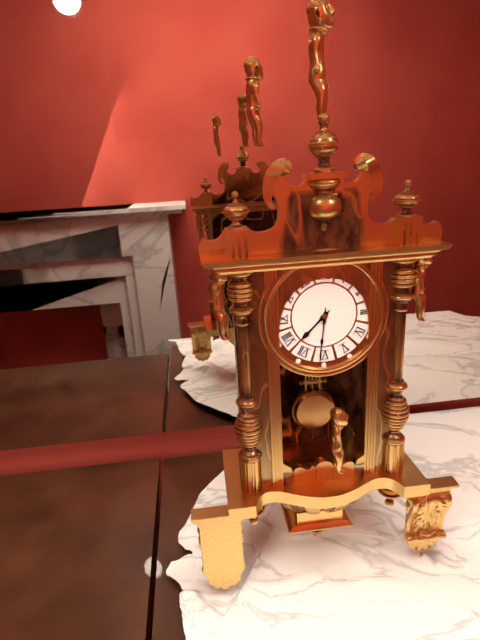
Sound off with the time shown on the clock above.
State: 7:31
